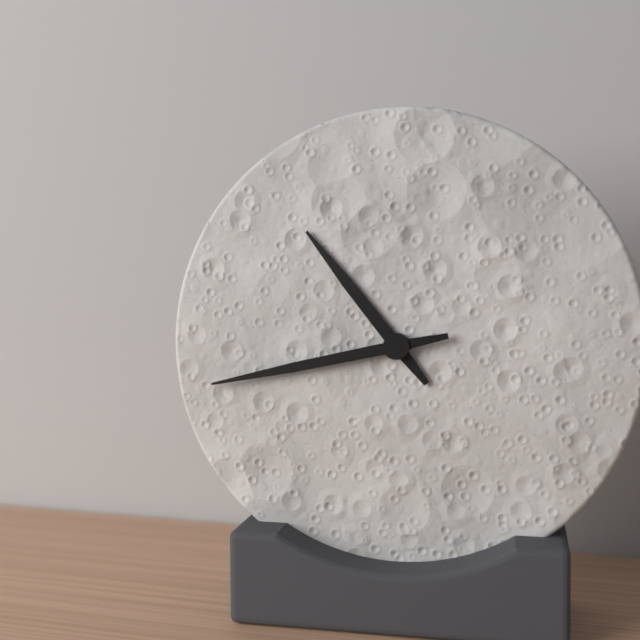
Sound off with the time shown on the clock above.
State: 10:43
